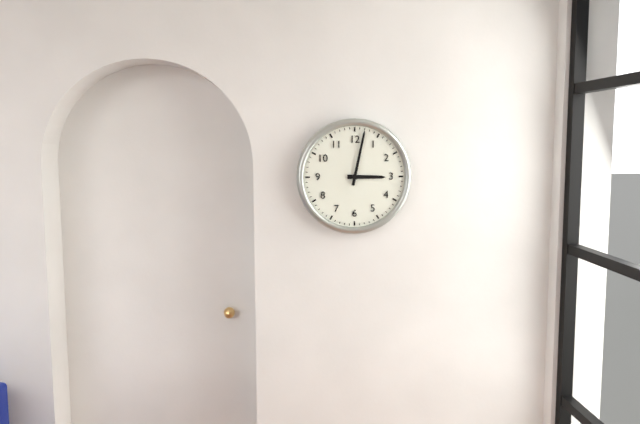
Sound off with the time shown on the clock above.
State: 3:02
